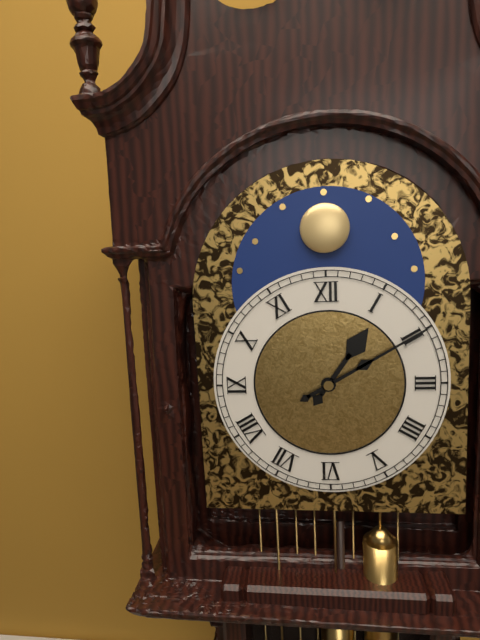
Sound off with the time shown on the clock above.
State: 1:10
